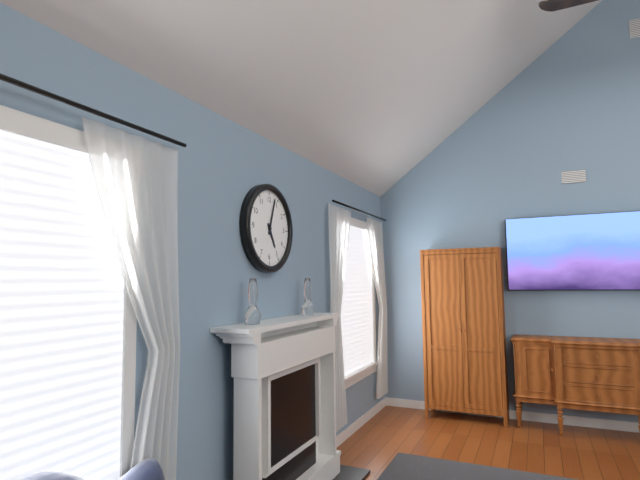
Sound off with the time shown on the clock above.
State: 5:03
